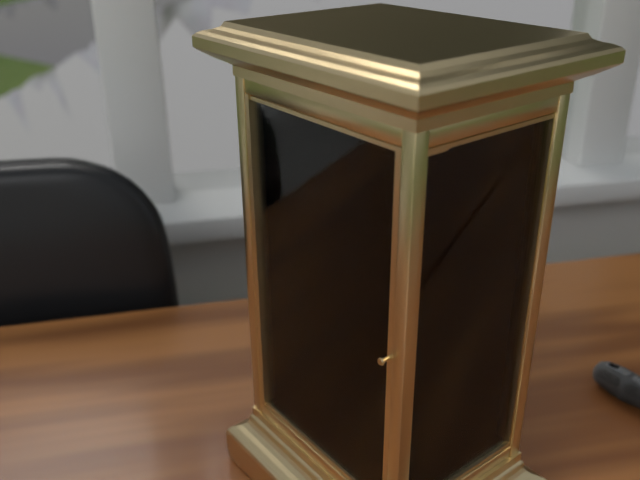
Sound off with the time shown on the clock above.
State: 6:55
